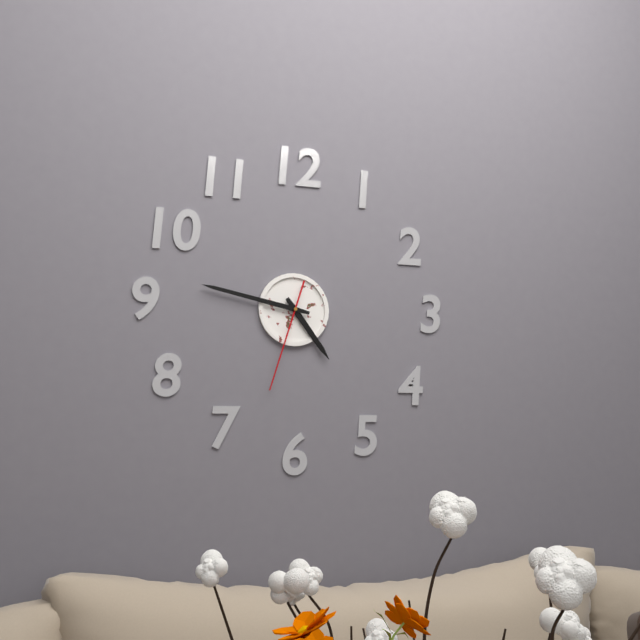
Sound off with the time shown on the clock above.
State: 4:47:33
